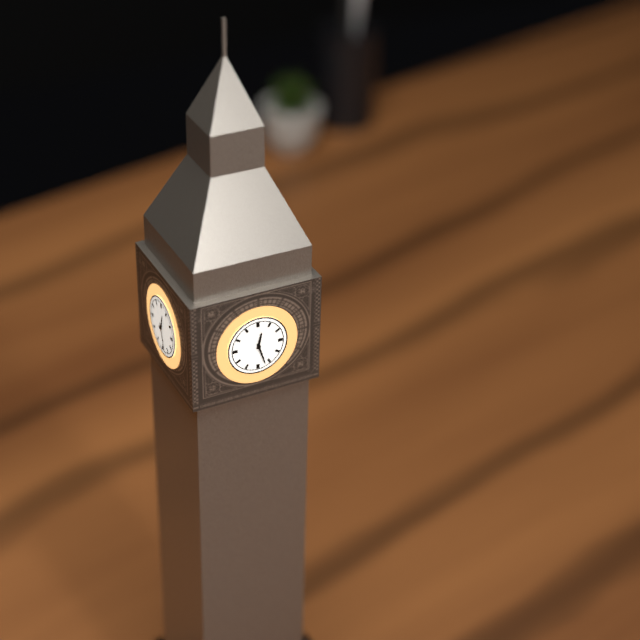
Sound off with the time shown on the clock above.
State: 12:27
